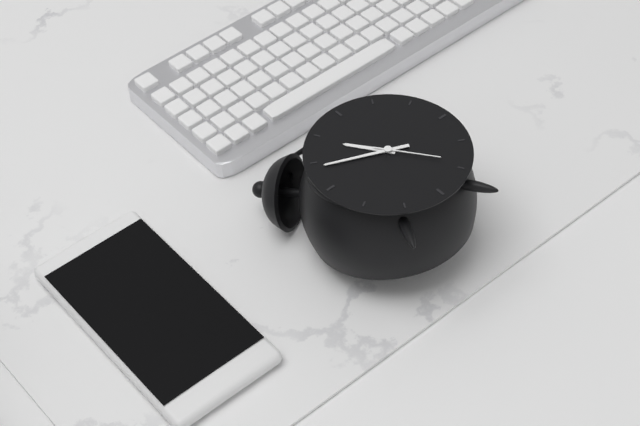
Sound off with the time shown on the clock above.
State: 10:49:24
